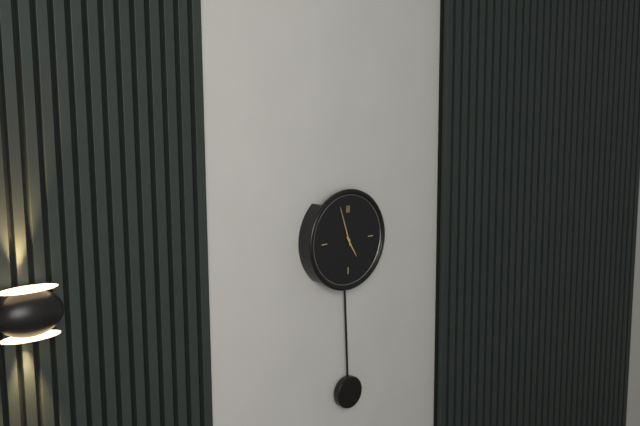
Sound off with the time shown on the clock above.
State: 4:57
